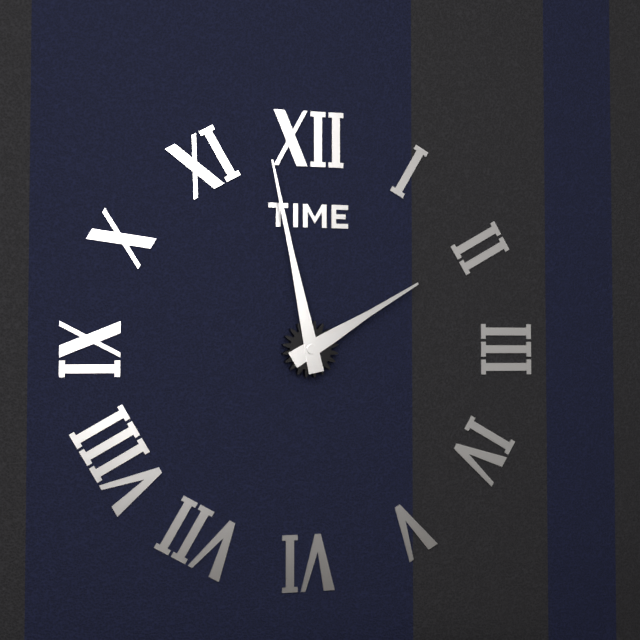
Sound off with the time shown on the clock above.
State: 1:58
